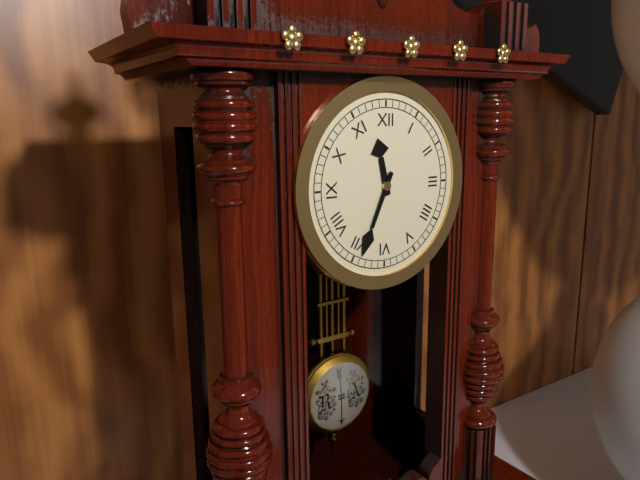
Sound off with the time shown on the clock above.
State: 11:34
